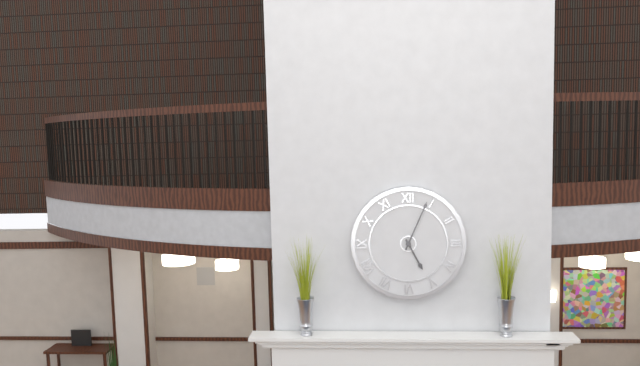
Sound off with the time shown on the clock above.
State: 5:04
